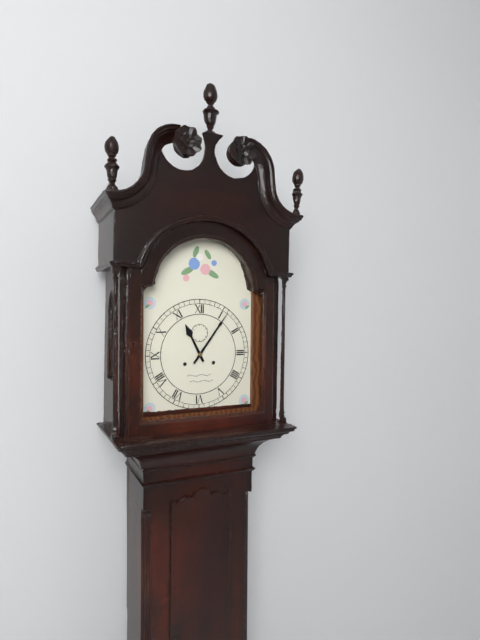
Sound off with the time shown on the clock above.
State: 11:06
